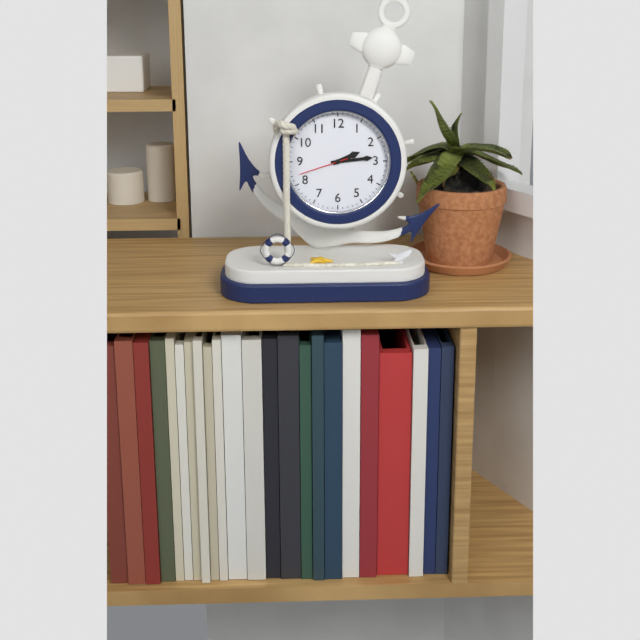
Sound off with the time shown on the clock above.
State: 2:14:42
